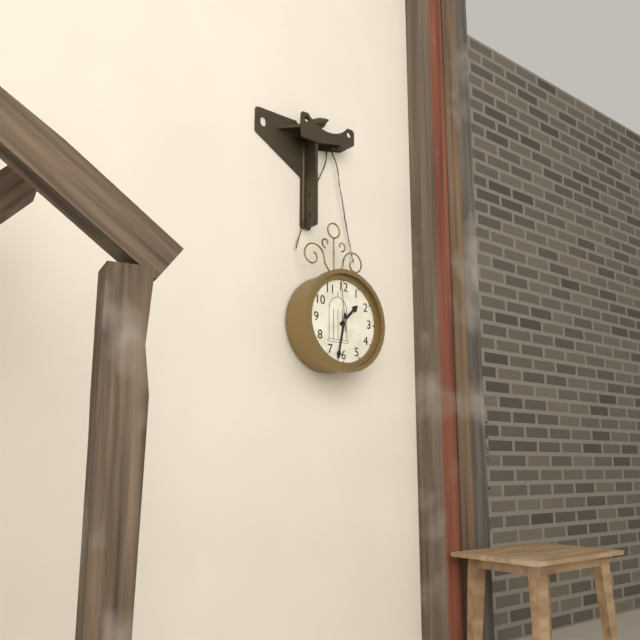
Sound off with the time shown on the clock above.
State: 1:32:59
